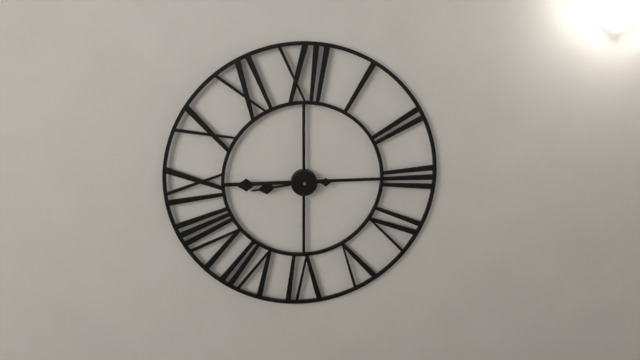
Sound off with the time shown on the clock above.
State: 8:45
